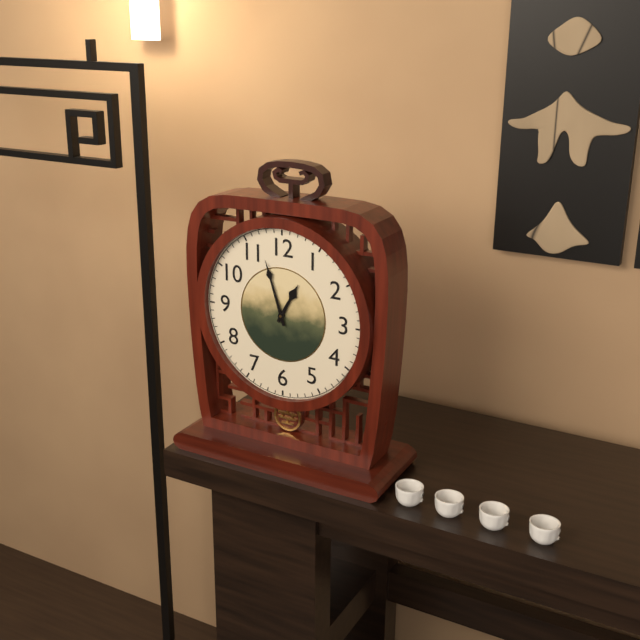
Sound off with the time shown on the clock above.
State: 12:57
